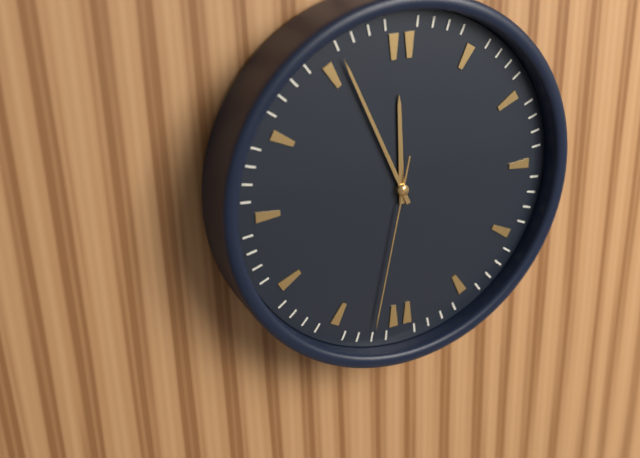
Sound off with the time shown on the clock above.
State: 11:56:32
